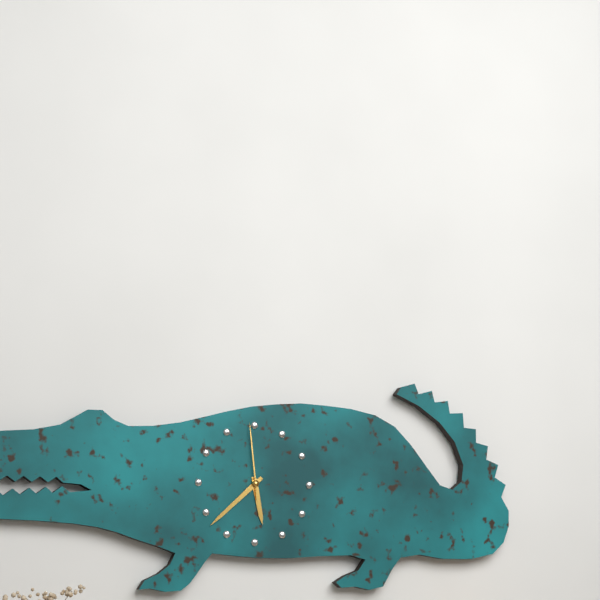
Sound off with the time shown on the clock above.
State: 5:38:59
